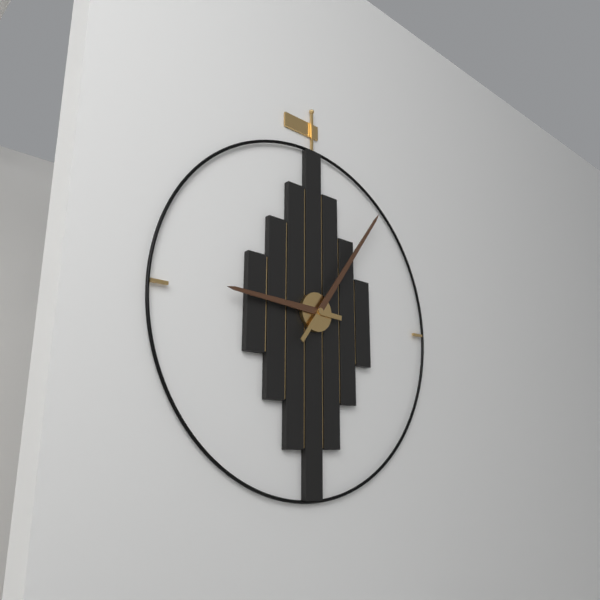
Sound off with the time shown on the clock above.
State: 9:06
